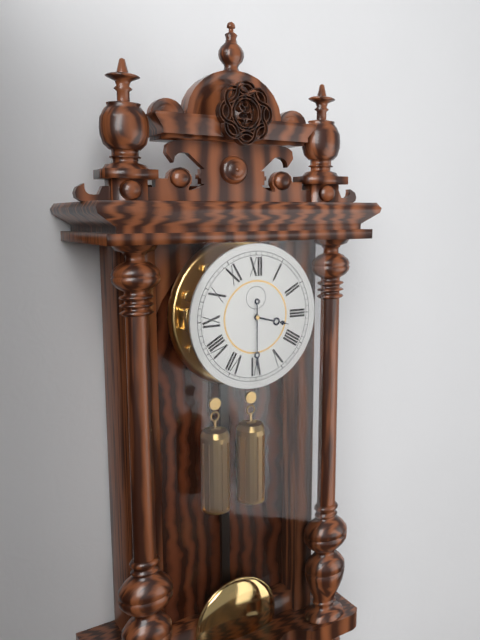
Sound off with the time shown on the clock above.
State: 3:30
